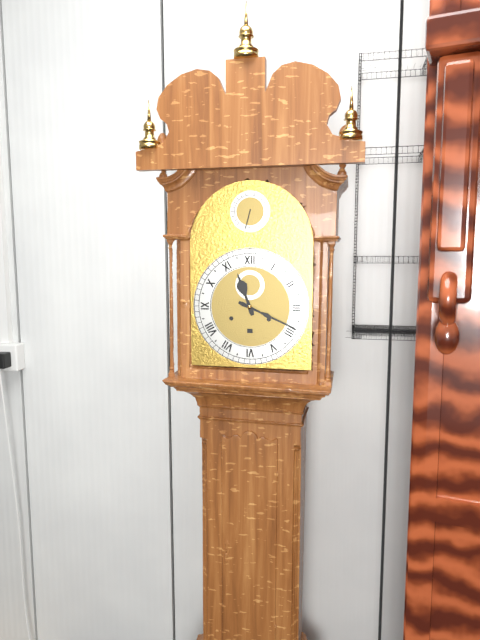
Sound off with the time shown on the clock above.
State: 11:19
